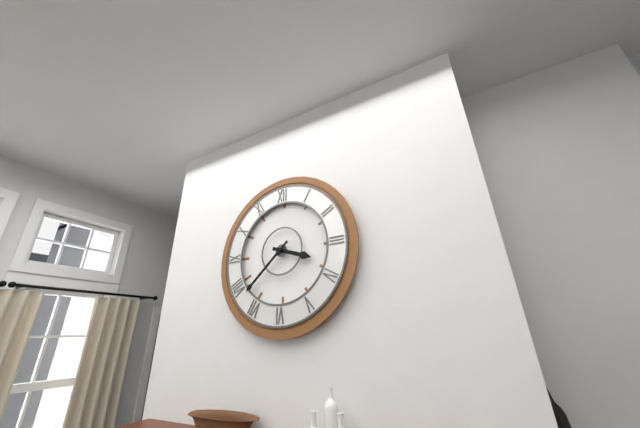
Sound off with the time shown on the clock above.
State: 3:38
